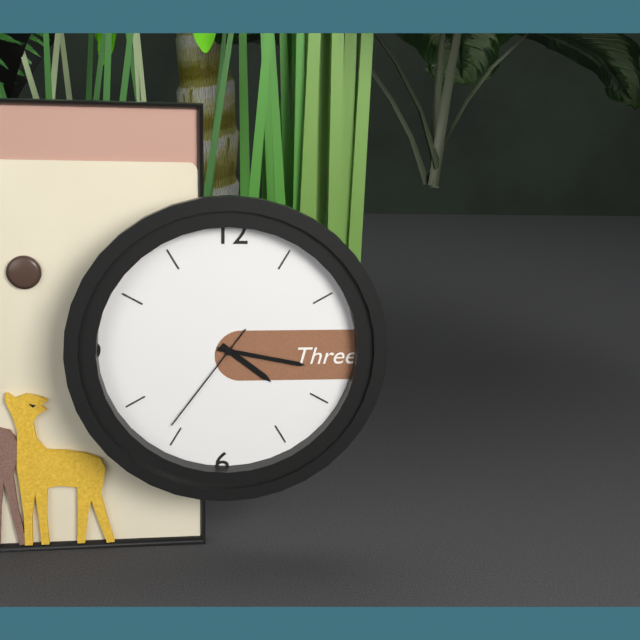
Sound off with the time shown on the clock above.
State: 4:17:36
